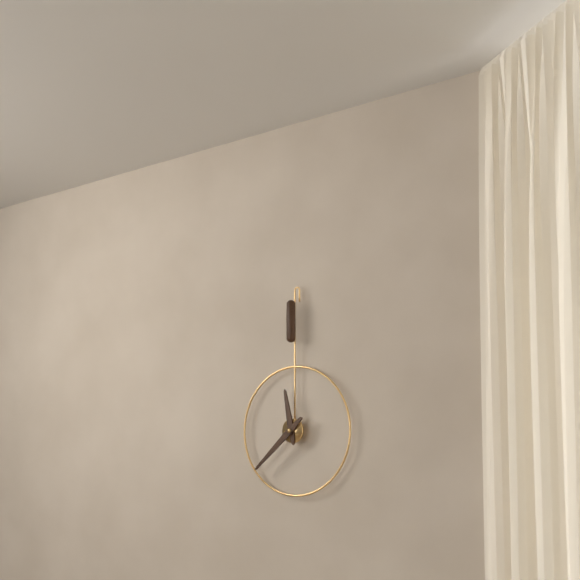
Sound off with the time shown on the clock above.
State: 11:38
